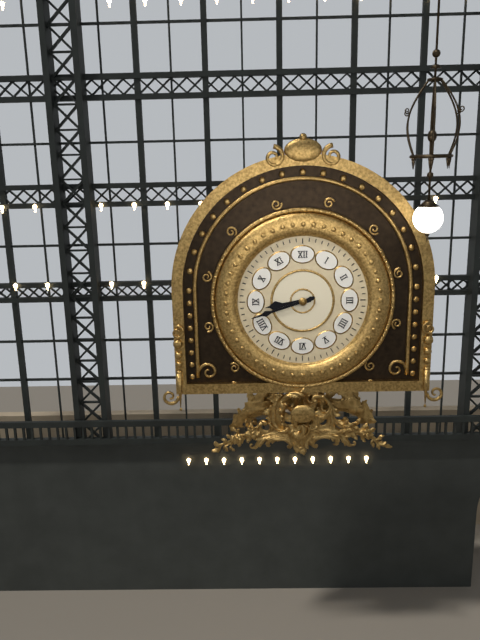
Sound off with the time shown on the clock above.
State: 8:42
